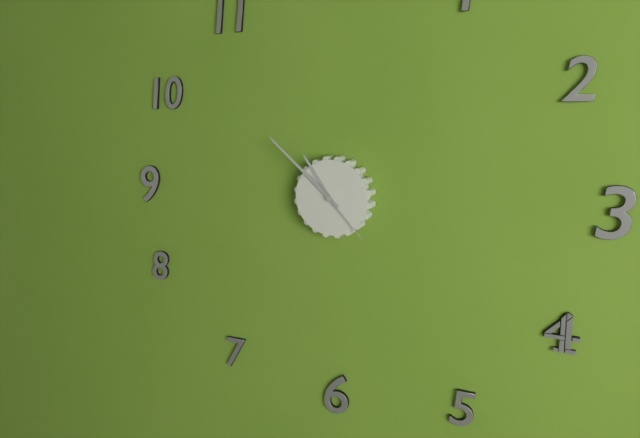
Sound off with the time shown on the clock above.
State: 10:52:23
